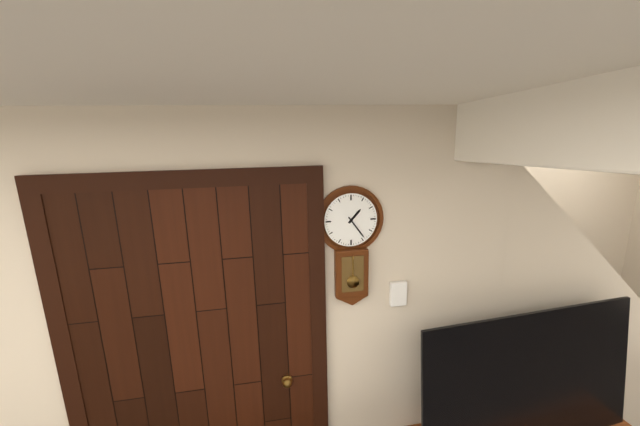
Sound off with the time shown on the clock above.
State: 1:24
